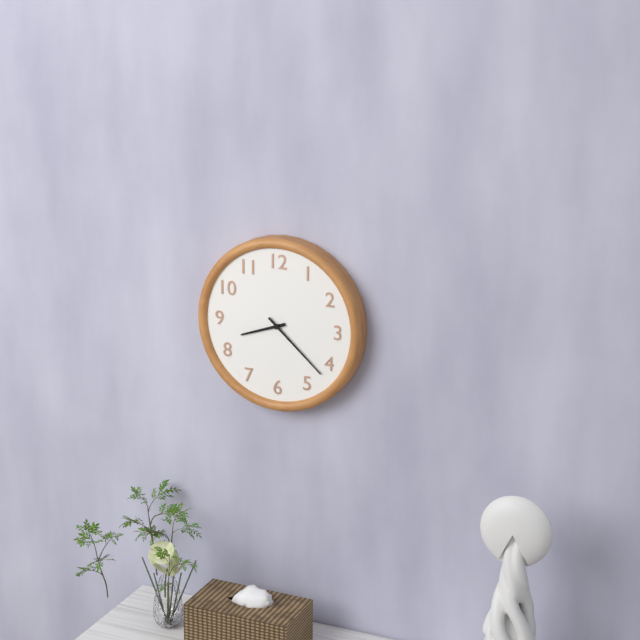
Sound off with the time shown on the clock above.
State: 8:22
